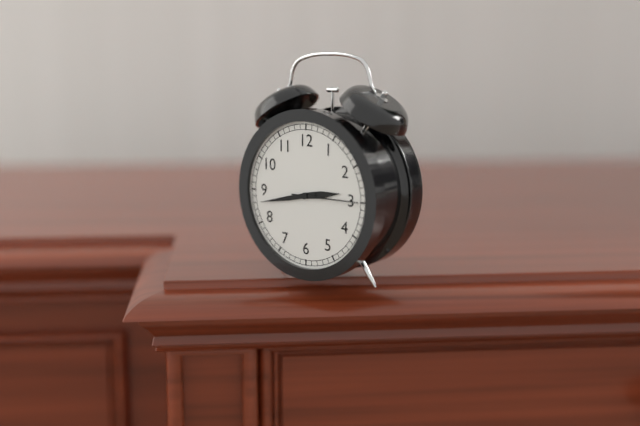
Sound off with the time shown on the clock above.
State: 2:43:15
